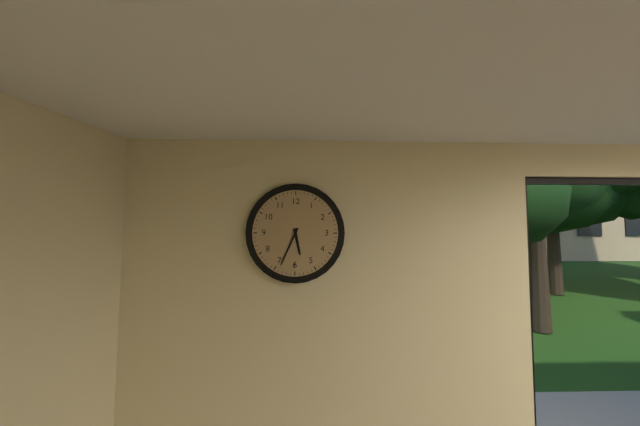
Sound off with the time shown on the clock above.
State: 5:34
